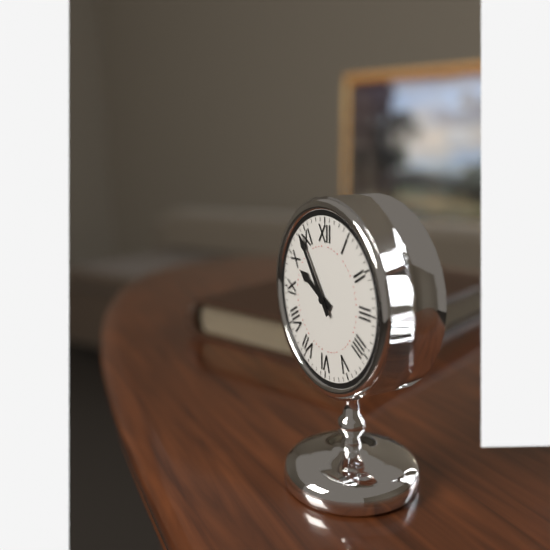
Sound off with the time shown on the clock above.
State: 9:54
